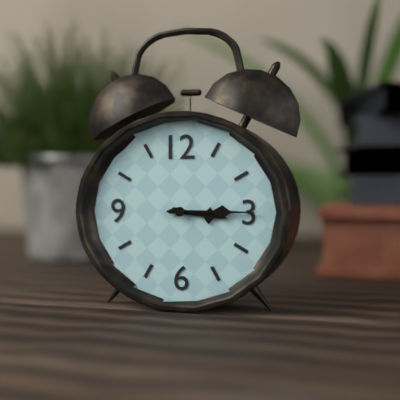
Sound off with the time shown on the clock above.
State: 3:15
